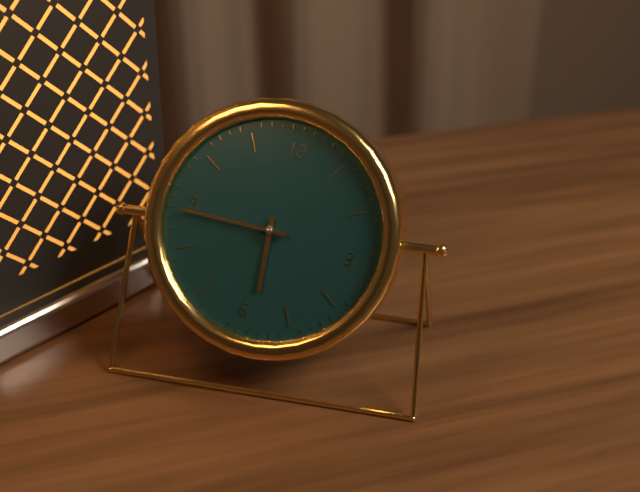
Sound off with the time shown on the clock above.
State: 5:44
